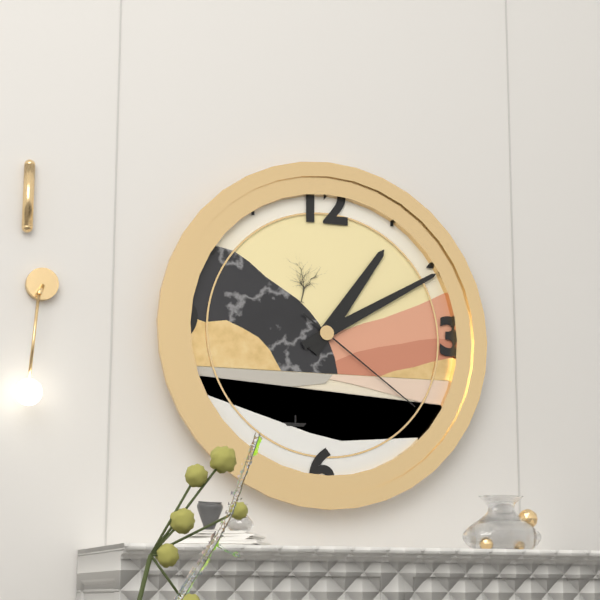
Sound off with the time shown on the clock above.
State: 1:10:21
